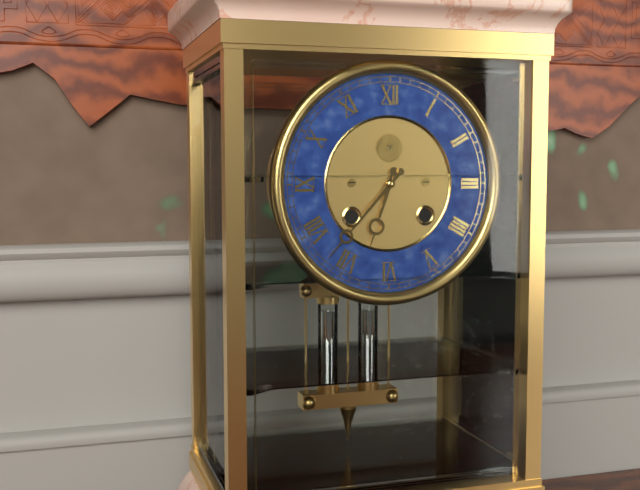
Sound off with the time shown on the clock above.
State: 6:37
